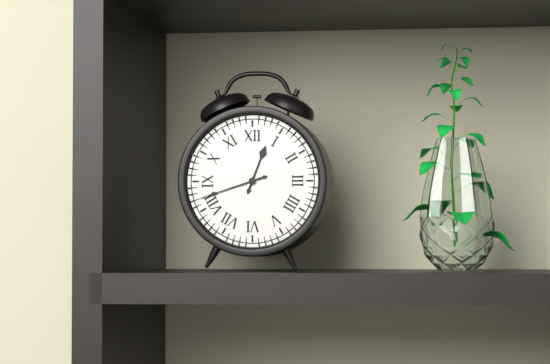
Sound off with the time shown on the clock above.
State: 12:42
